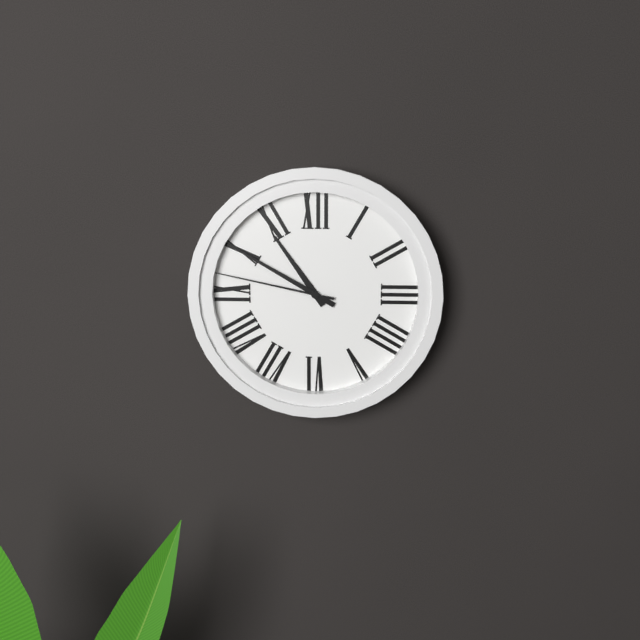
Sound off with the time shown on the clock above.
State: 10:50:47
